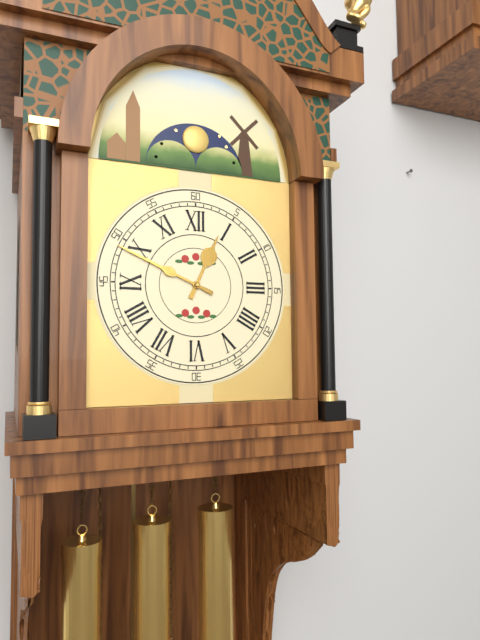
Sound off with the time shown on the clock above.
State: 12:49
